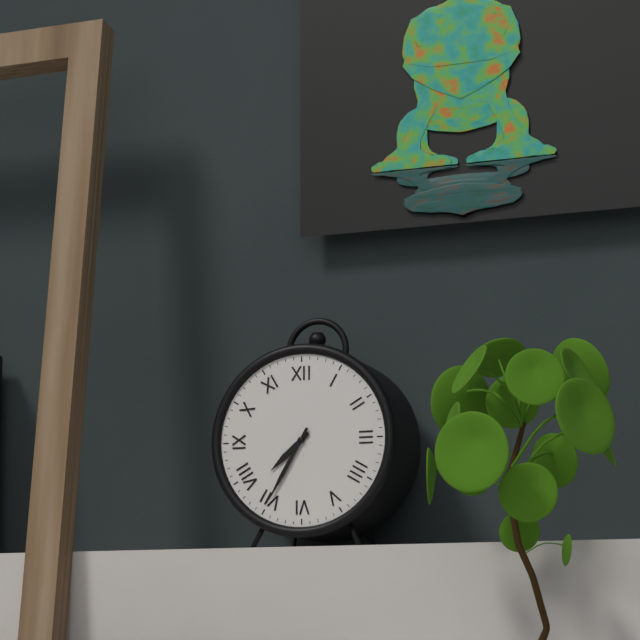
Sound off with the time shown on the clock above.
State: 7:35
